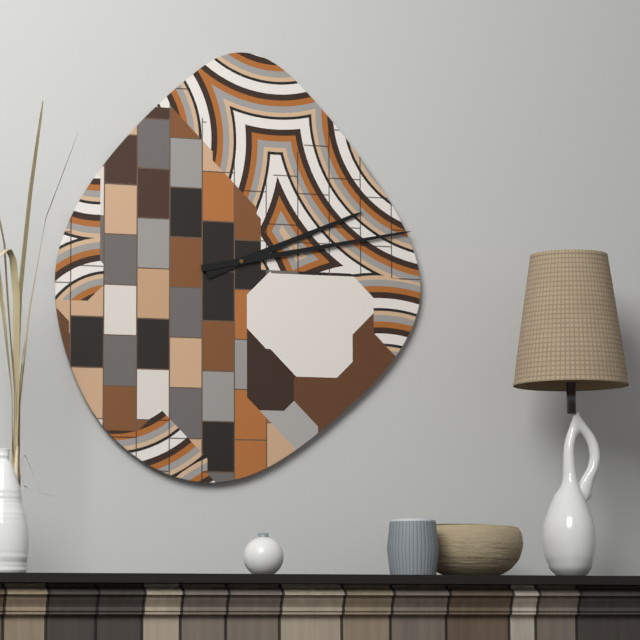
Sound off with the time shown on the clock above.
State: 2:13
